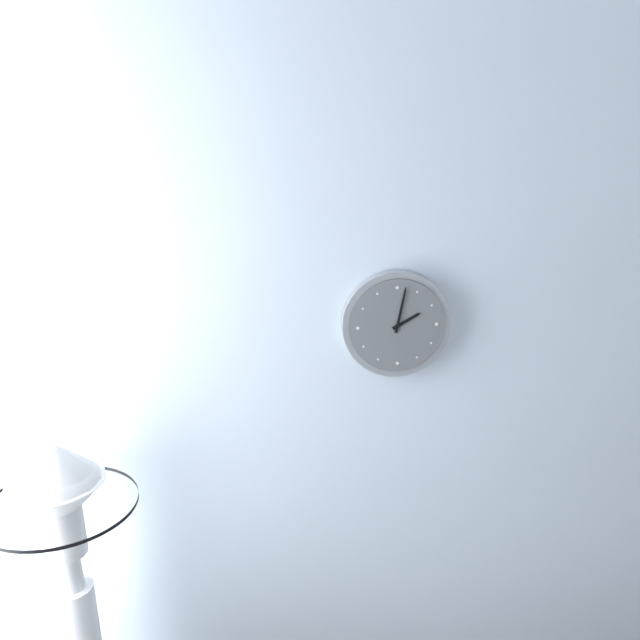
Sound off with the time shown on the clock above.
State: 2:02
